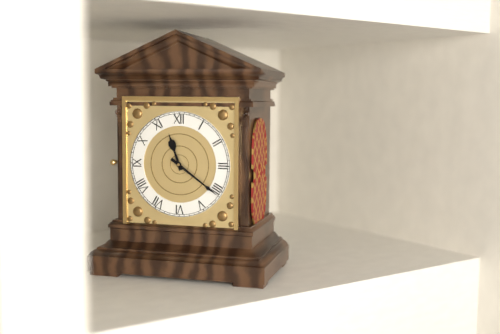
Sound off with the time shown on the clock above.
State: 11:21
